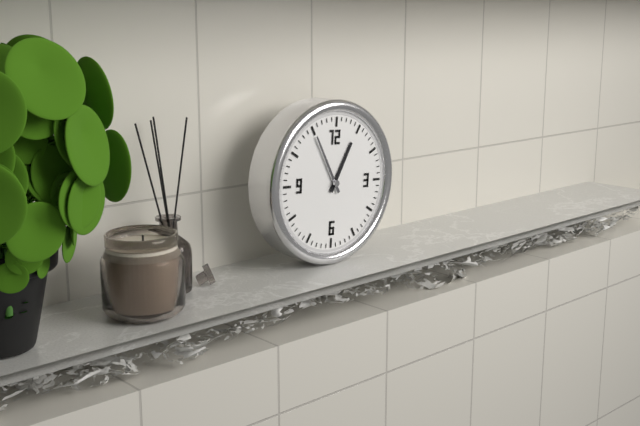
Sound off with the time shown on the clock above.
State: 12:55
